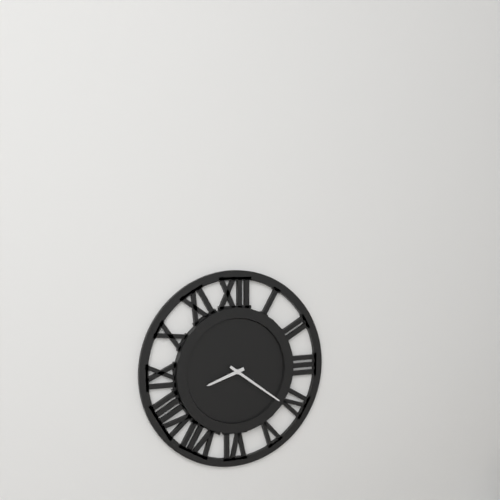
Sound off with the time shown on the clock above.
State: 8:21
